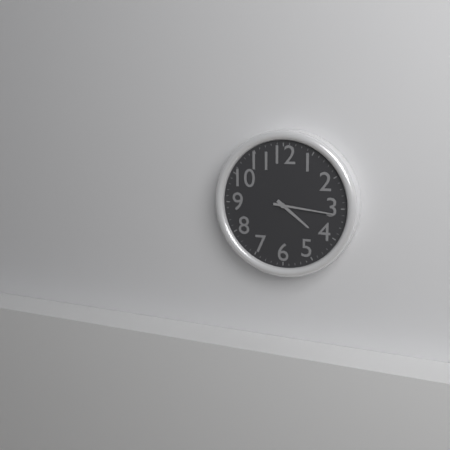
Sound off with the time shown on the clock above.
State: 4:16
